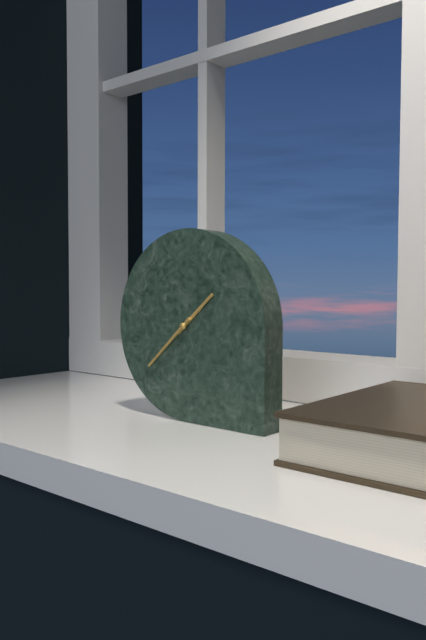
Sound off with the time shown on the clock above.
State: 1:38
